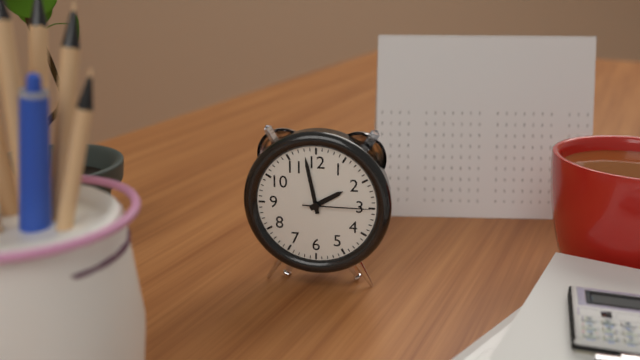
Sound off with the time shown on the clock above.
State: 1:58:15
